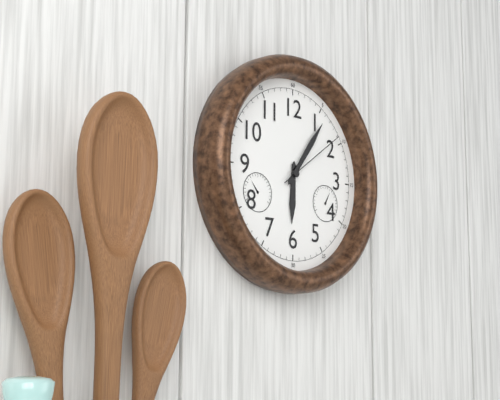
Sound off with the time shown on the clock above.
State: 6:06:09
